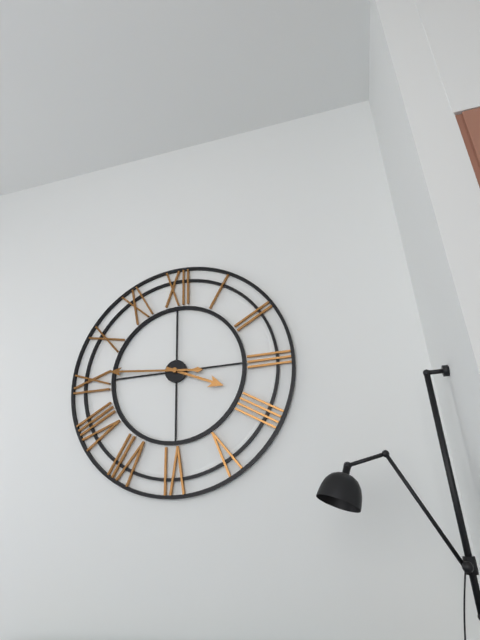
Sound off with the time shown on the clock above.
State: 3:46
